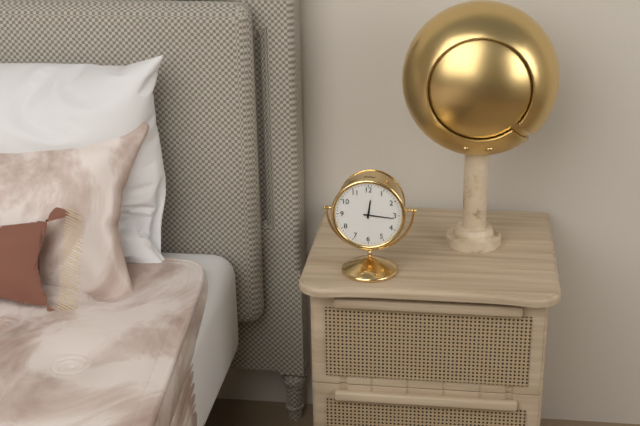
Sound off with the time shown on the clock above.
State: 12:16
